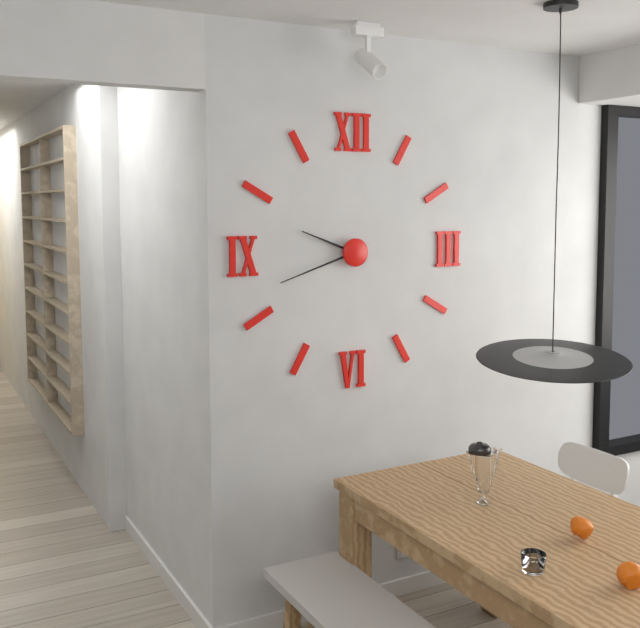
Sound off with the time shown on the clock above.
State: 9:42
